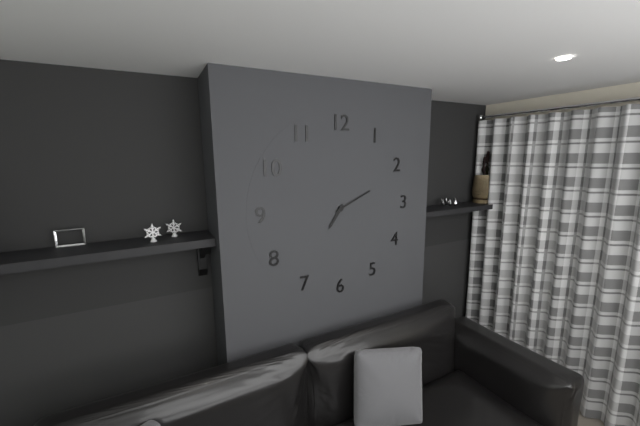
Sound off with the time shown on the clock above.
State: 7:11
